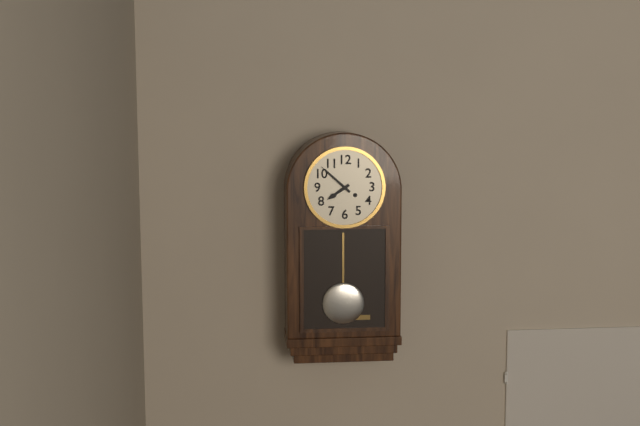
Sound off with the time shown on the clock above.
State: 7:52
